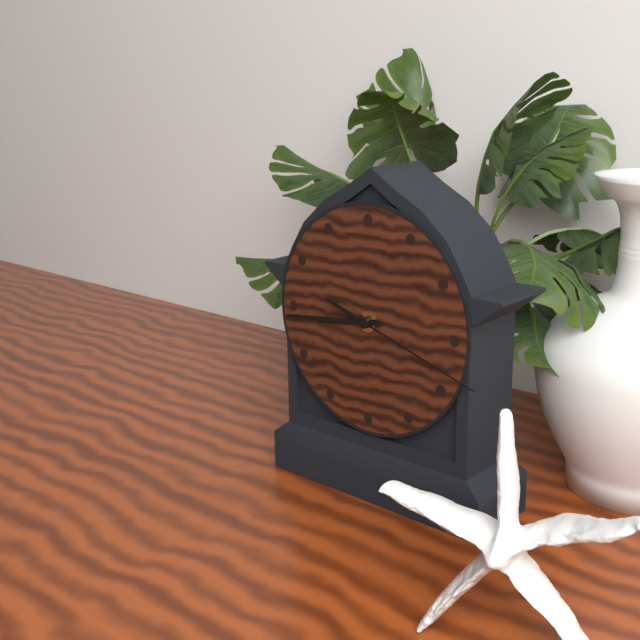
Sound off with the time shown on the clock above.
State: 8:44:18
